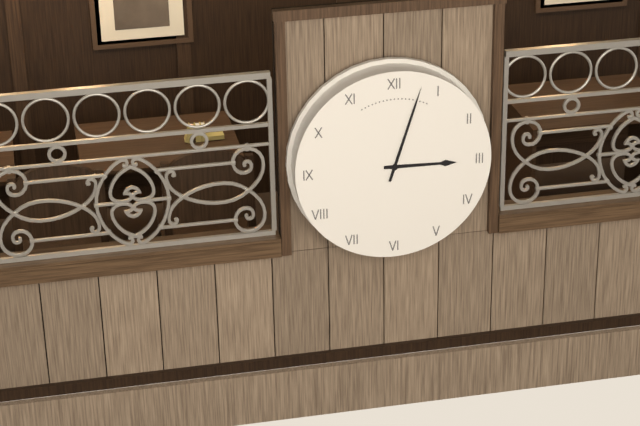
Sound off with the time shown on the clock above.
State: 3:03
